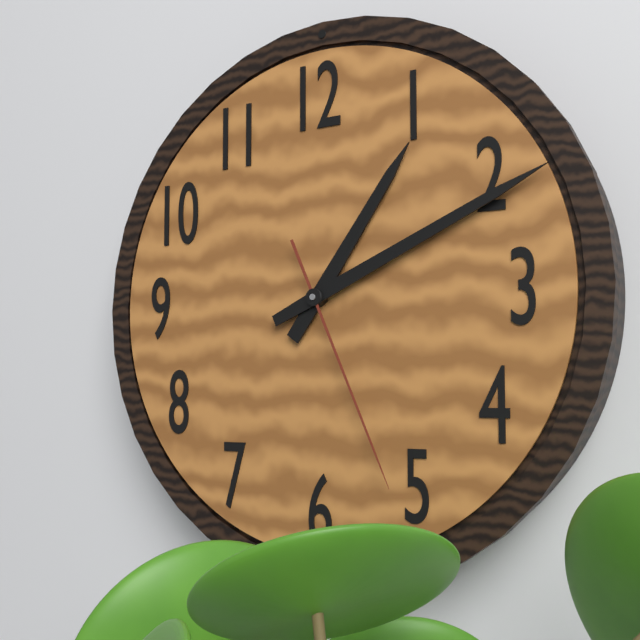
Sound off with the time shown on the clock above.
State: 1:11:26
